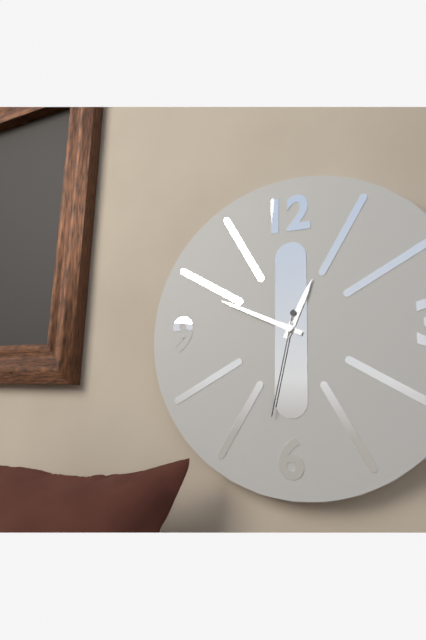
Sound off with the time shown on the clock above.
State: 12:49:32
